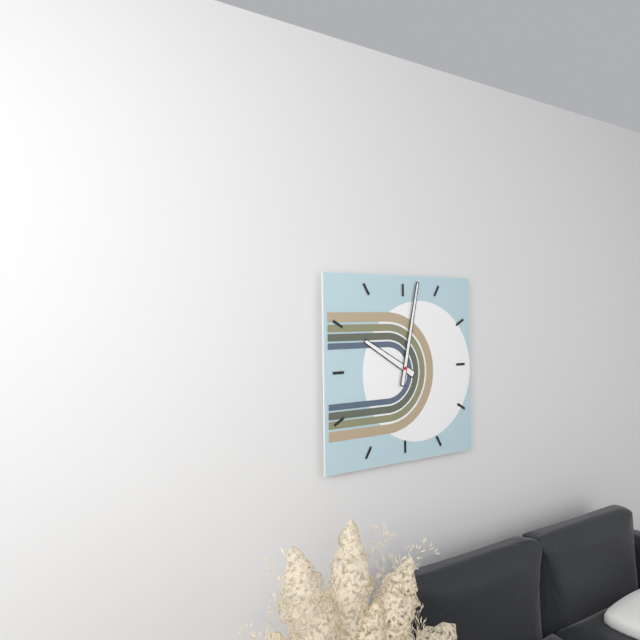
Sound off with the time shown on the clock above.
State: 10:02
